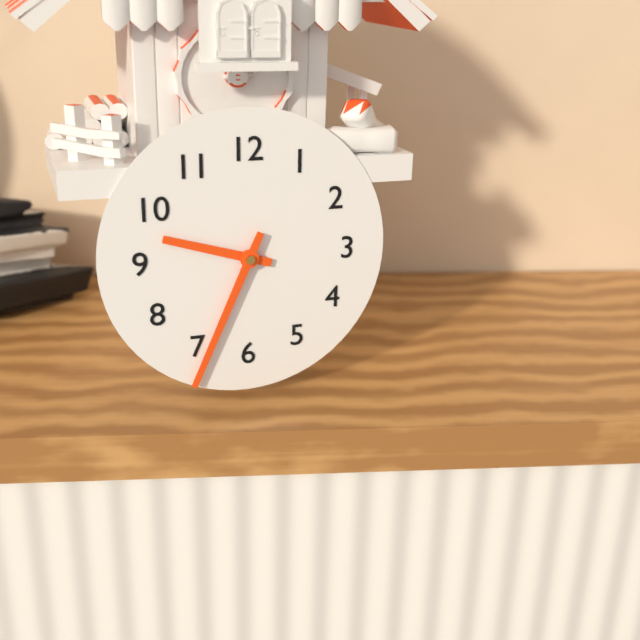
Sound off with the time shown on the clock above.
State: 9:34
